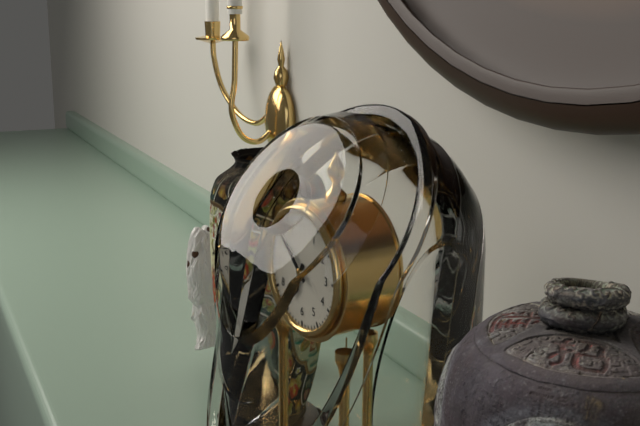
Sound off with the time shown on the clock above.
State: 6:52
